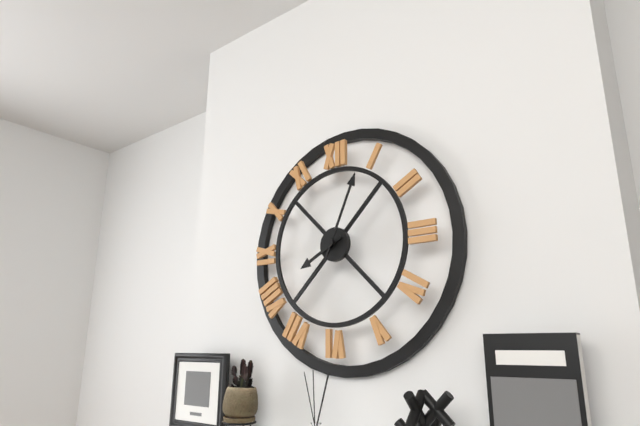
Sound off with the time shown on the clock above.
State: 8:04
